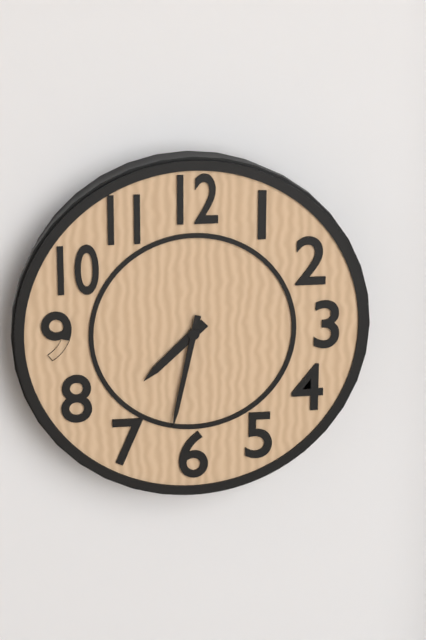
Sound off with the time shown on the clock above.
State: 7:32
